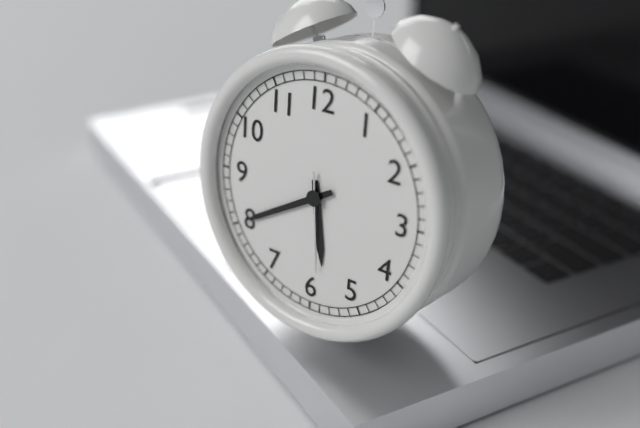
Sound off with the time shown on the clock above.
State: 5:40:29
